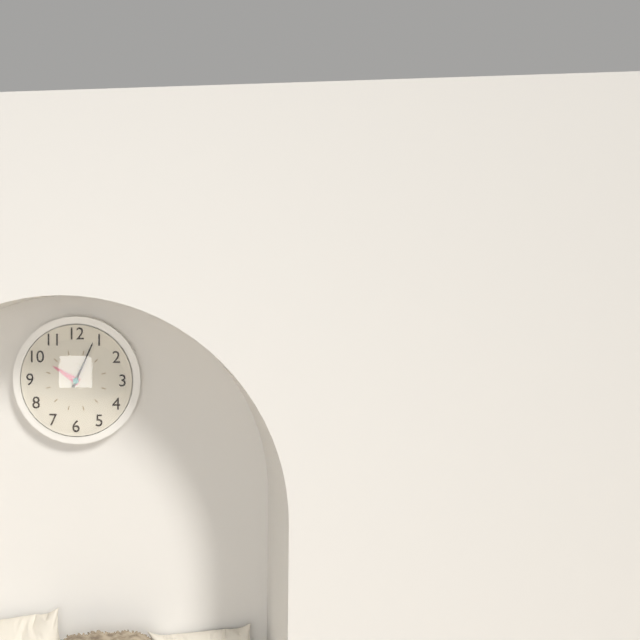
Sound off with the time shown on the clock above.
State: 10:04
